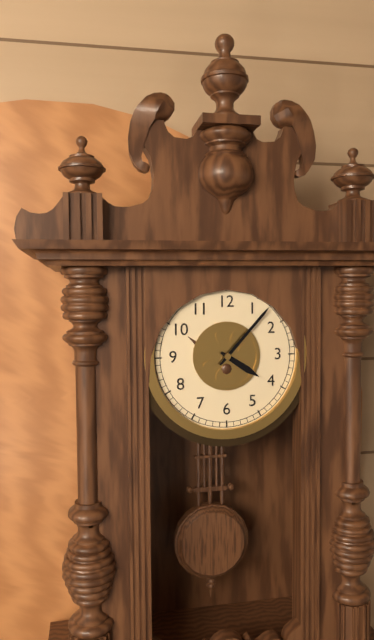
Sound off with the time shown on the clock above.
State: 4:07
